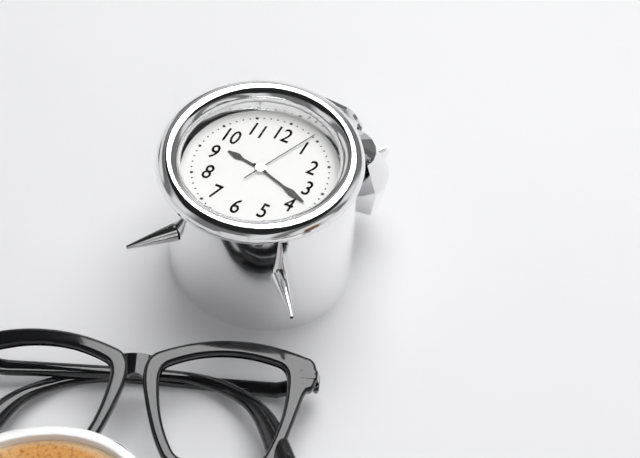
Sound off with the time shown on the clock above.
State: 9:18:04
